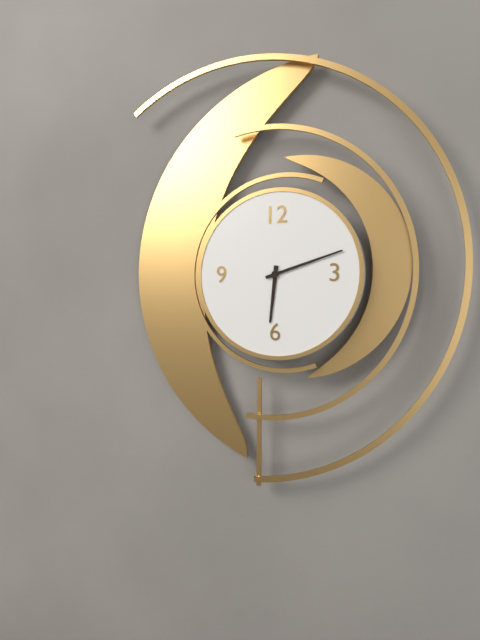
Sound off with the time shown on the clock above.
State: 6:12
